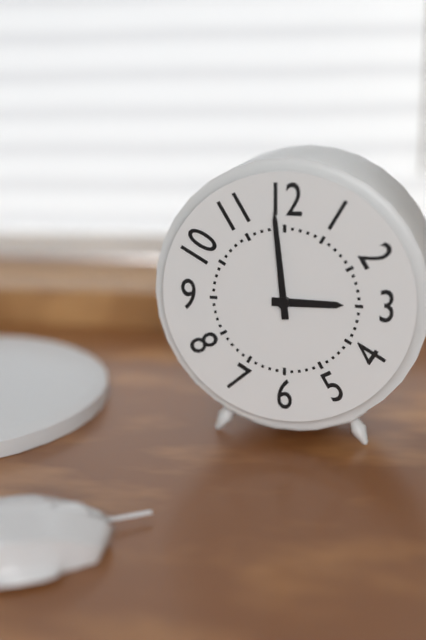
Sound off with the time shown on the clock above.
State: 2:59
